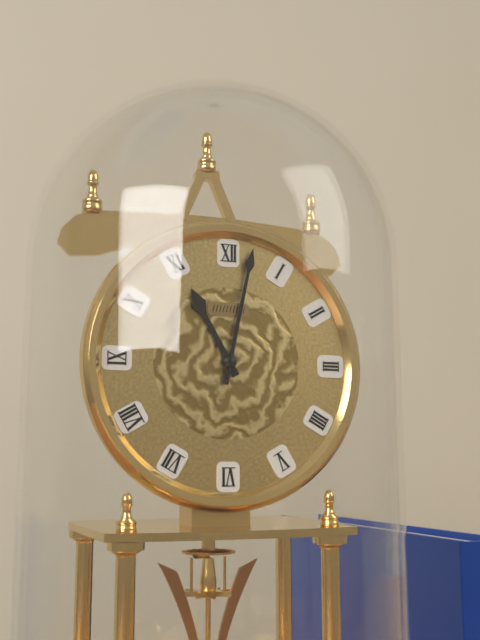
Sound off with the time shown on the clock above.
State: 11:02
